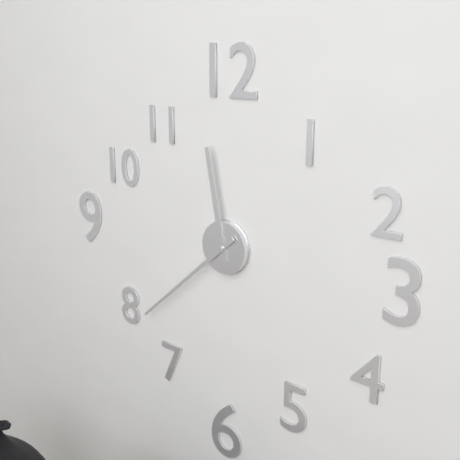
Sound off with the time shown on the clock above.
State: 11:38
